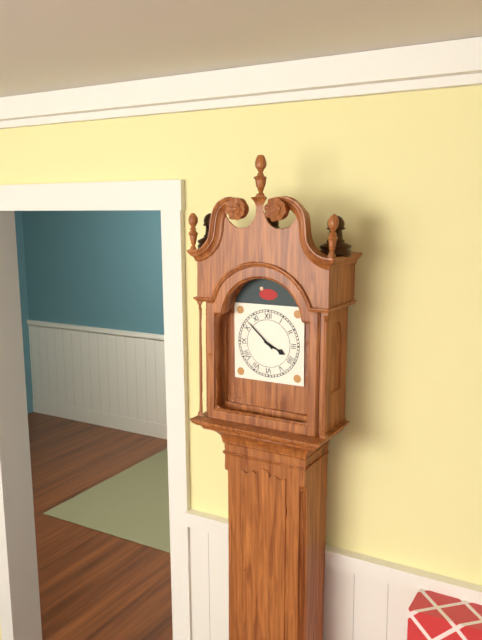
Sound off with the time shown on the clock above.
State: 3:52
